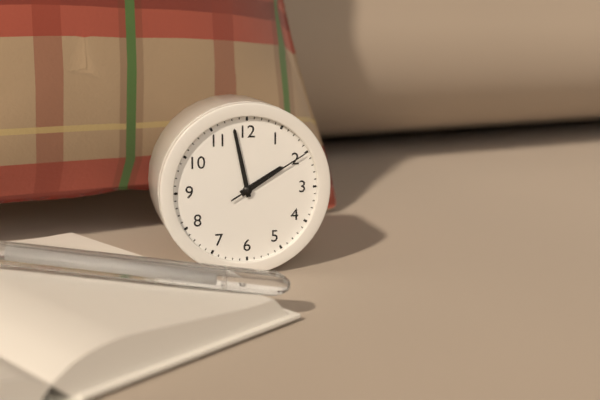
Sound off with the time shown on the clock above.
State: 1:58:10
